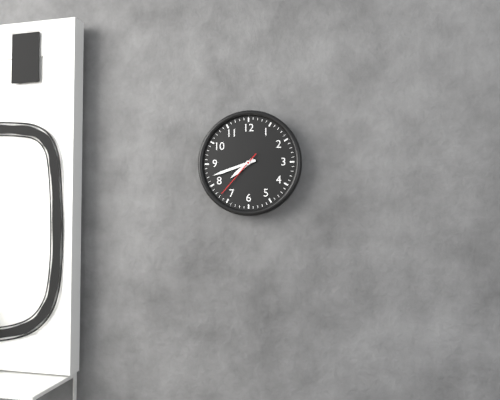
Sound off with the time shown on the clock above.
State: 7:42:37
